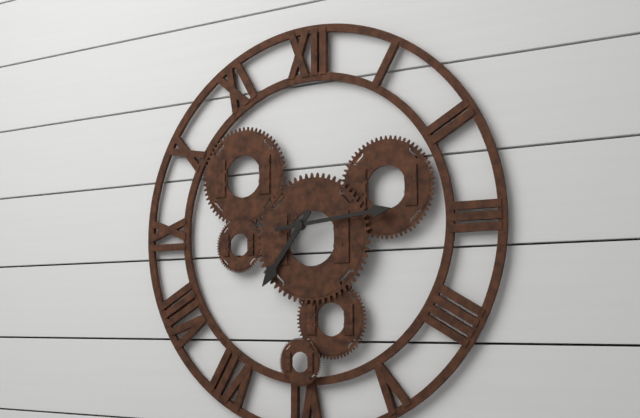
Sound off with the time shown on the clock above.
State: 7:14
